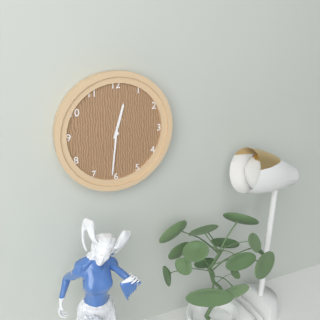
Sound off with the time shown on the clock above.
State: 12:31
